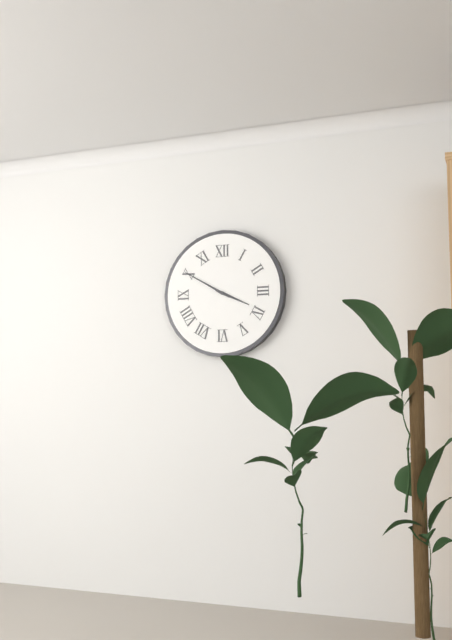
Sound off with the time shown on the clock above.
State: 3:50
